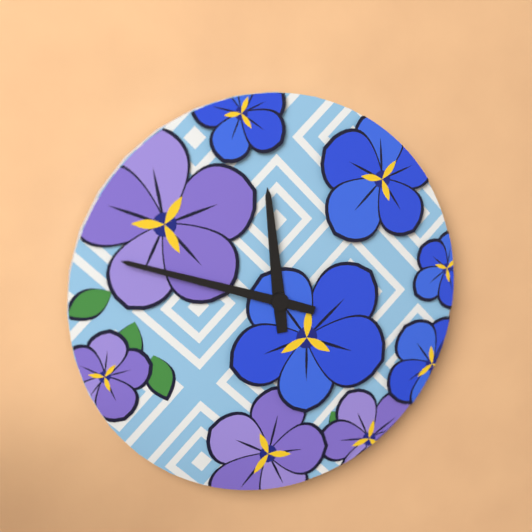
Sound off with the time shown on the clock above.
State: 11:48
